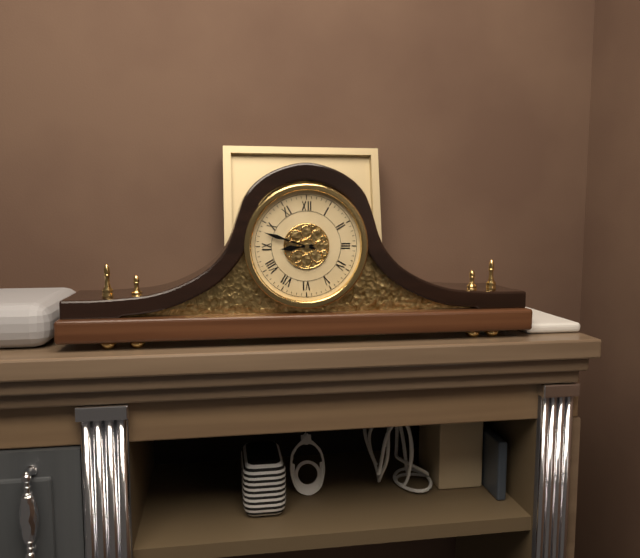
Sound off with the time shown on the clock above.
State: 8:48
